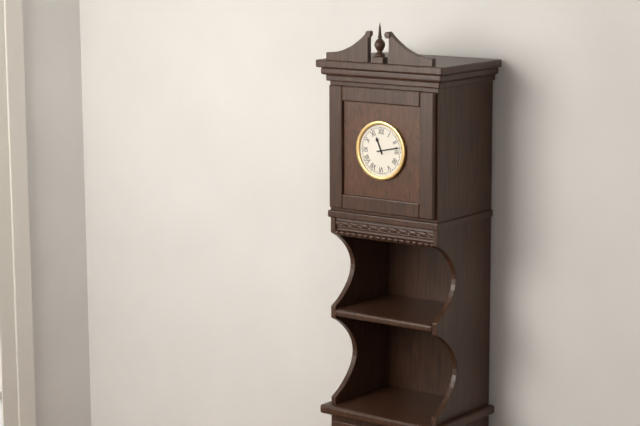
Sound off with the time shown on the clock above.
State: 11:13
